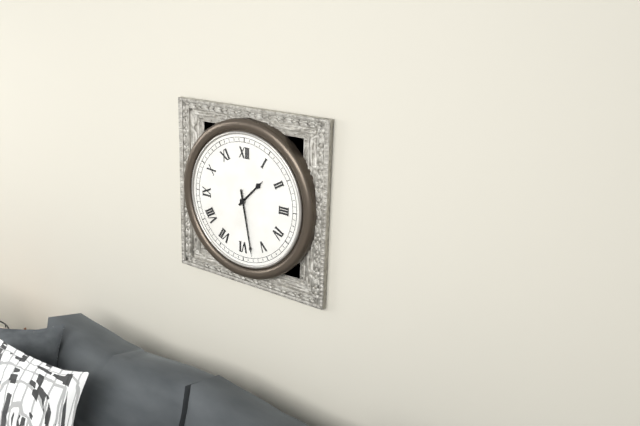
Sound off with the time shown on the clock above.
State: 1:28
